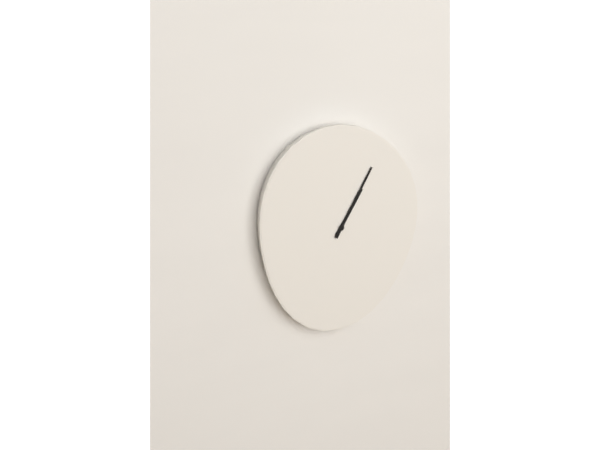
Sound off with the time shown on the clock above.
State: 1:05
